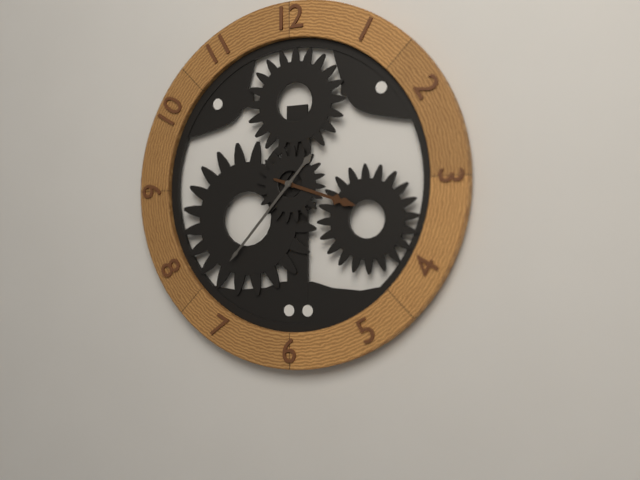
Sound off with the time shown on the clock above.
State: 3:37
